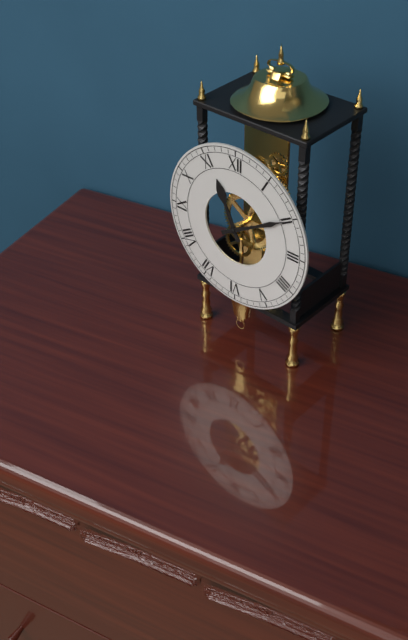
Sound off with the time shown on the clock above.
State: 11:10
